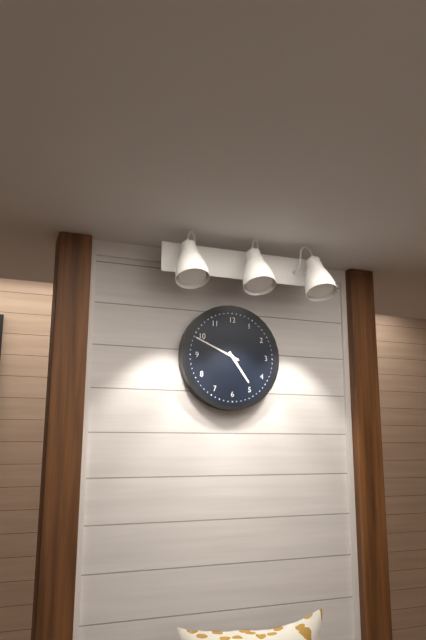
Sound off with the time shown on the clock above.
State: 4:49
